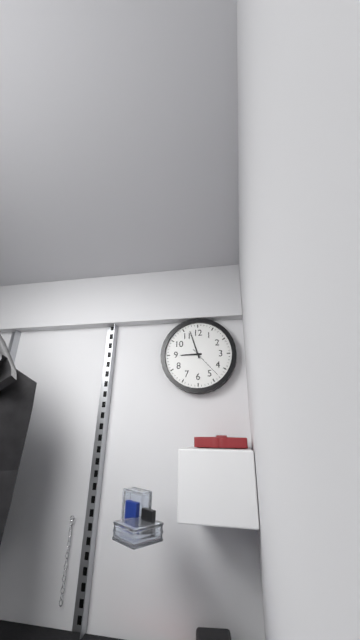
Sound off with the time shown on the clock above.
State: 8:57
